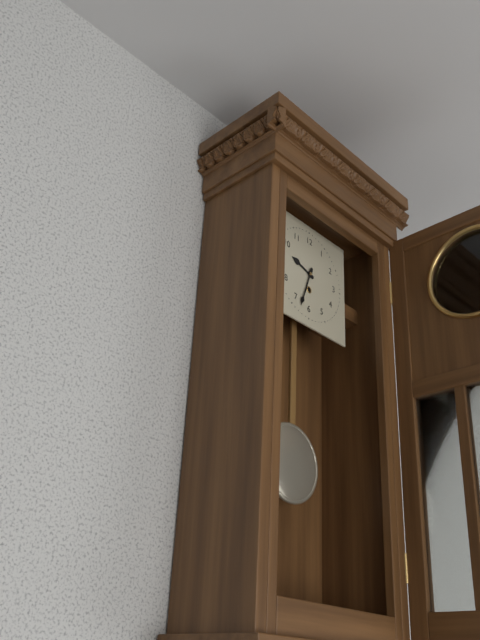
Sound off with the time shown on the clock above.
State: 9:33
